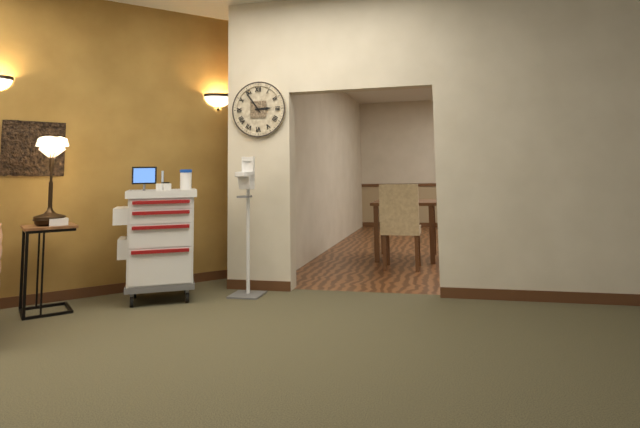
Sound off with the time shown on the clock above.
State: 2:54
